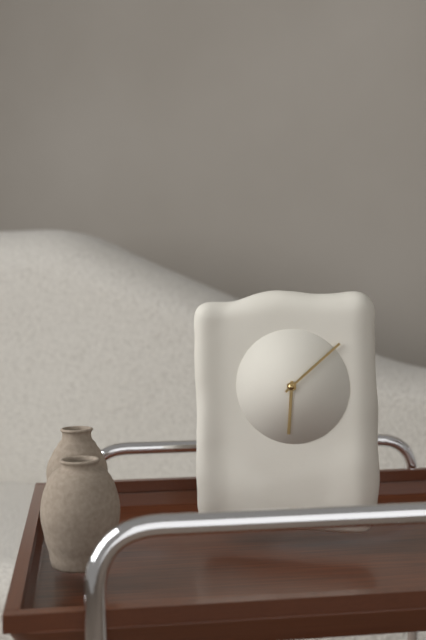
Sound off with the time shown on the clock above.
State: 6:08
